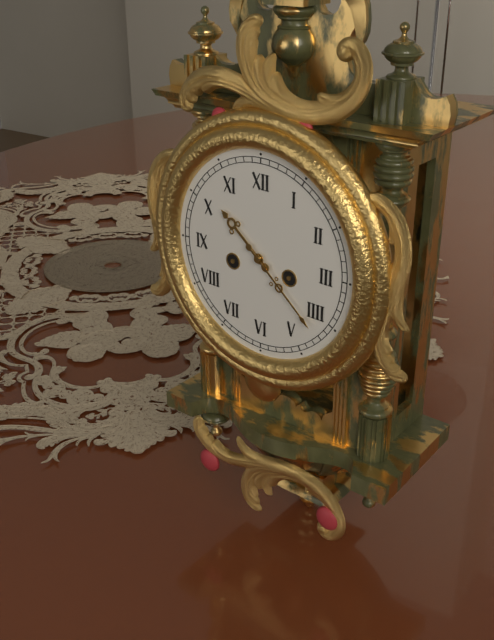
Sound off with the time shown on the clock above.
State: 10:22
